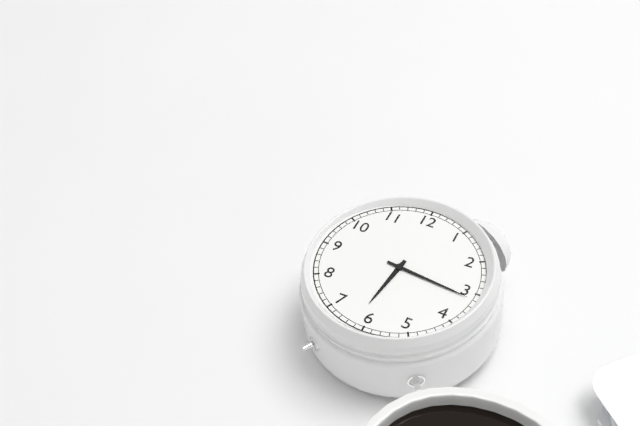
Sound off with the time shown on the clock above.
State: 6:16
